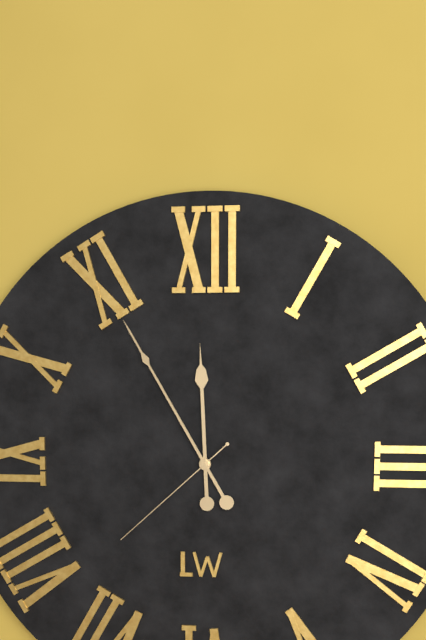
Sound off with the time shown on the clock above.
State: 11:55:38
